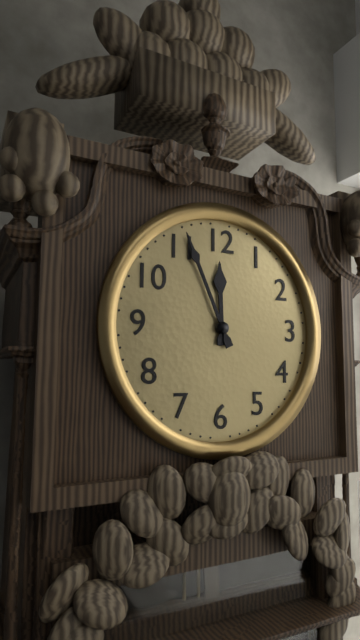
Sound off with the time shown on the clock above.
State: 11:56
